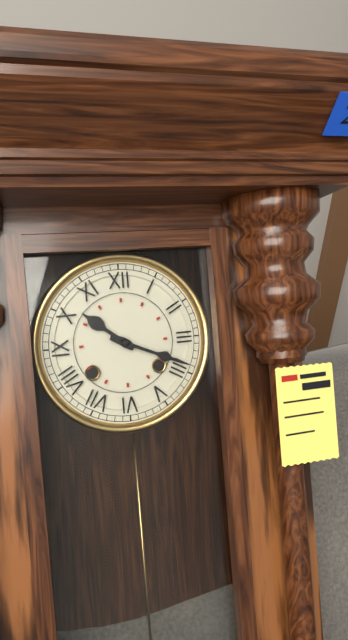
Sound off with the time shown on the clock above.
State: 10:19
